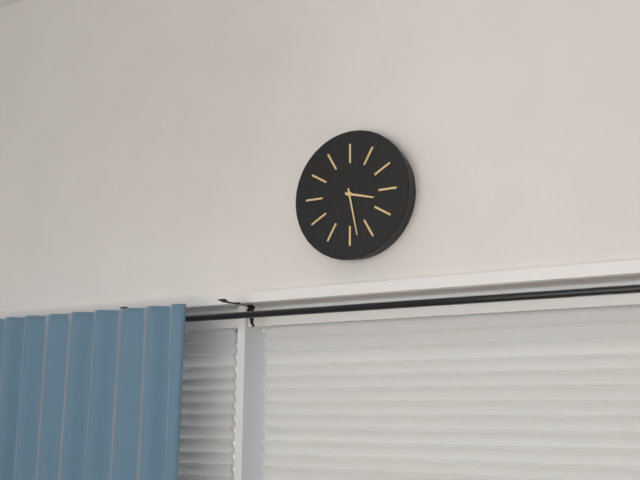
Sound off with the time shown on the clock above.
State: 3:28
